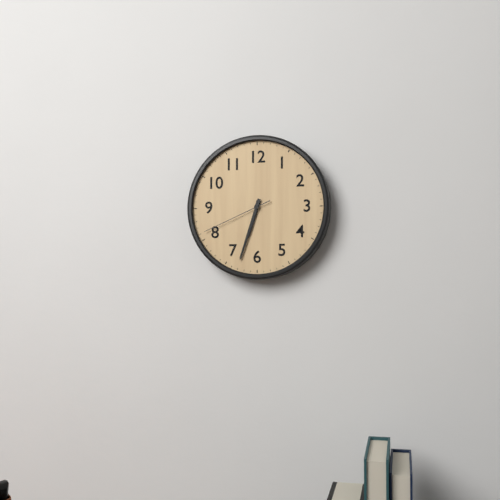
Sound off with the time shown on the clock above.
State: 6:33:41
